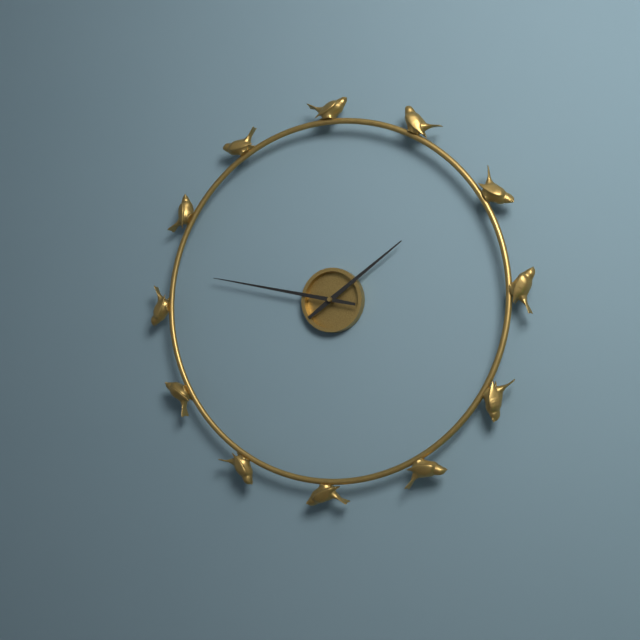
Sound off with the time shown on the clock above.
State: 1:47
